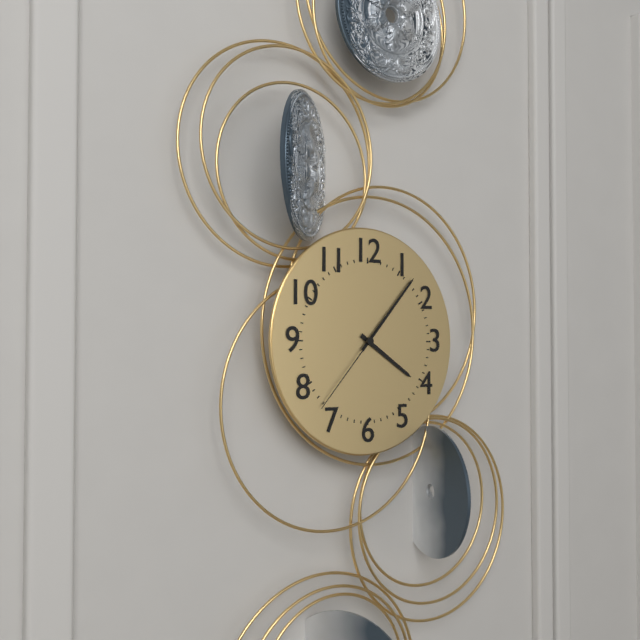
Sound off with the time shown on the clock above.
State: 4:07:37
